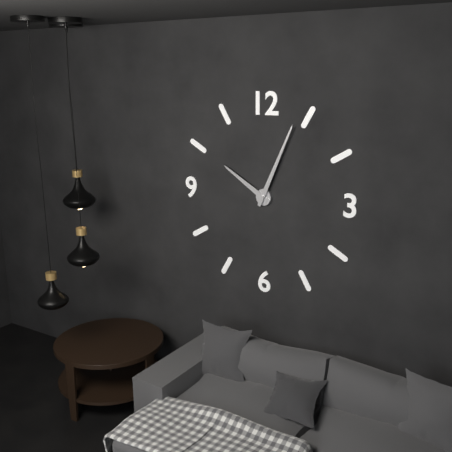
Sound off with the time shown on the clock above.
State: 10:04
